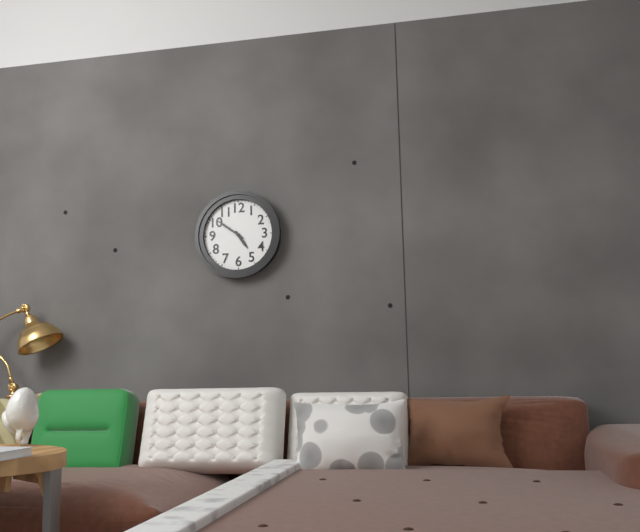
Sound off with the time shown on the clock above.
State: 4:51
